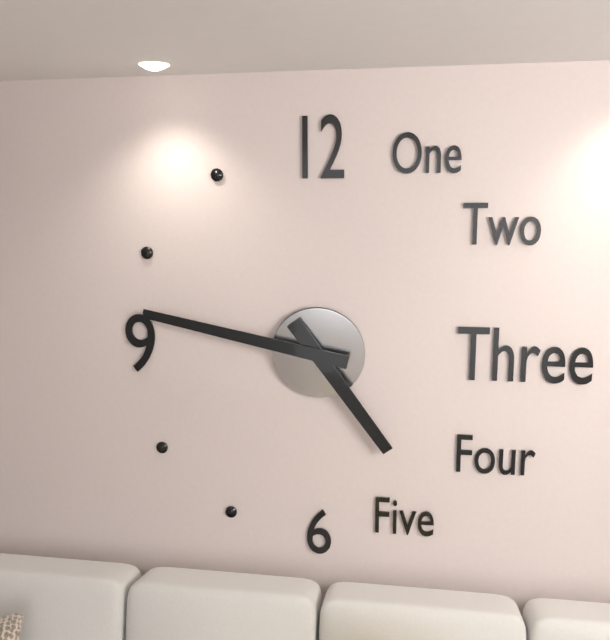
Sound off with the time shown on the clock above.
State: 4:47
